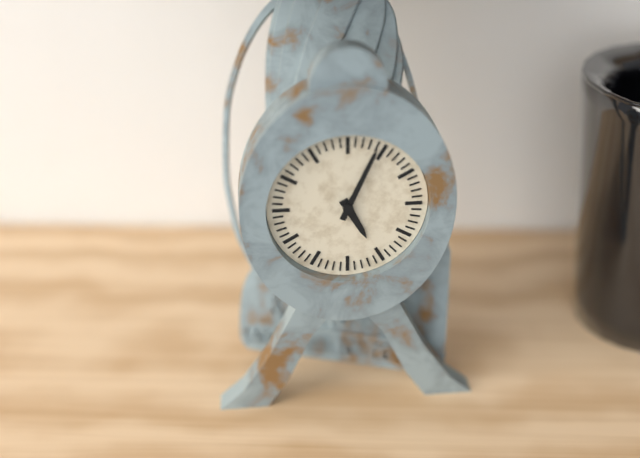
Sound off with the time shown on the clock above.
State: 5:04
